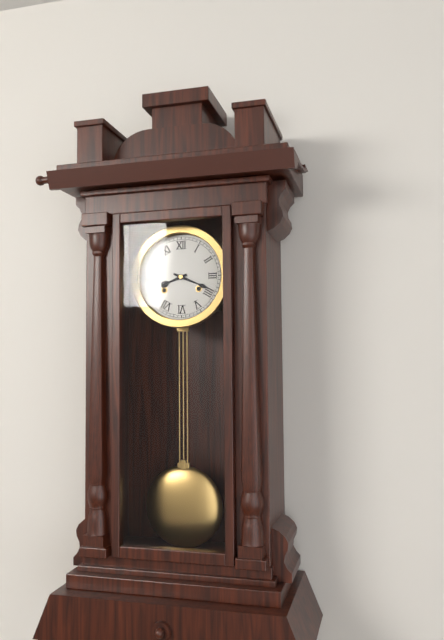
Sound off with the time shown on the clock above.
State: 8:19
